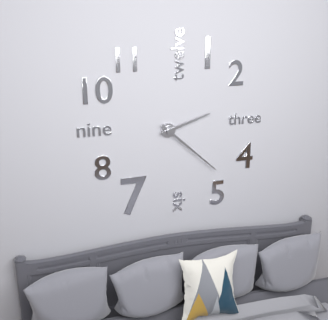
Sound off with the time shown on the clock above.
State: 2:22
